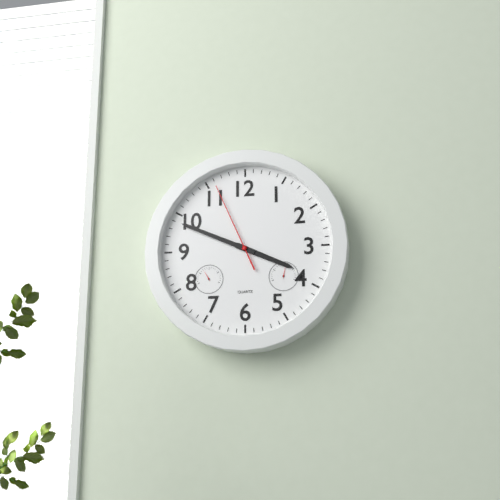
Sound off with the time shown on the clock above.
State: 3:49:56
